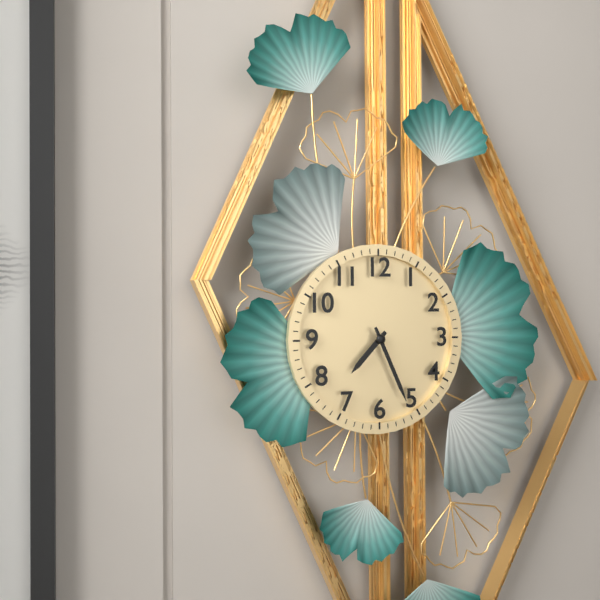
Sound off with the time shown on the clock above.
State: 7:26
